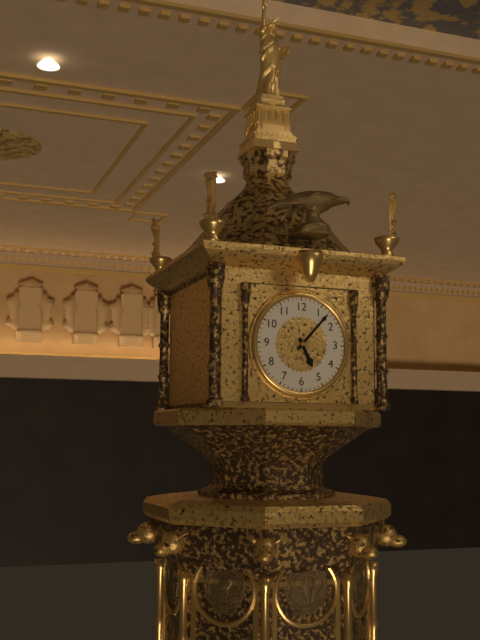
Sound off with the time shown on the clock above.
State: 5:07
